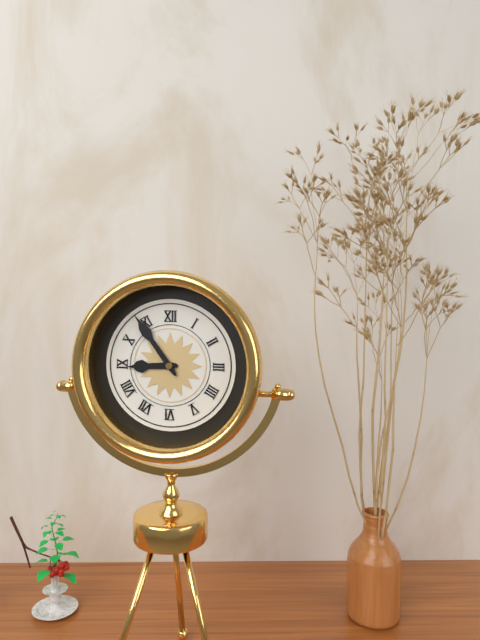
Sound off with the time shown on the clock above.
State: 8:54
